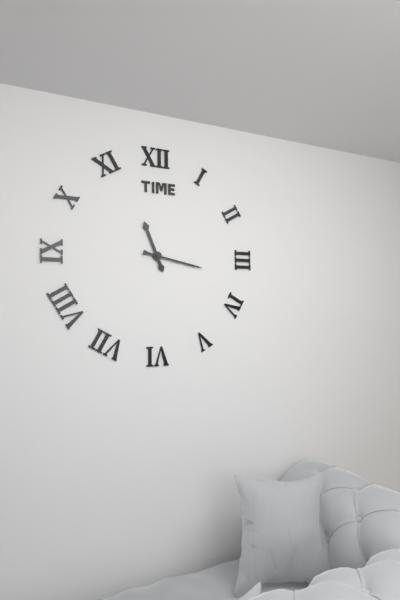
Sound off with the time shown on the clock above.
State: 11:17
